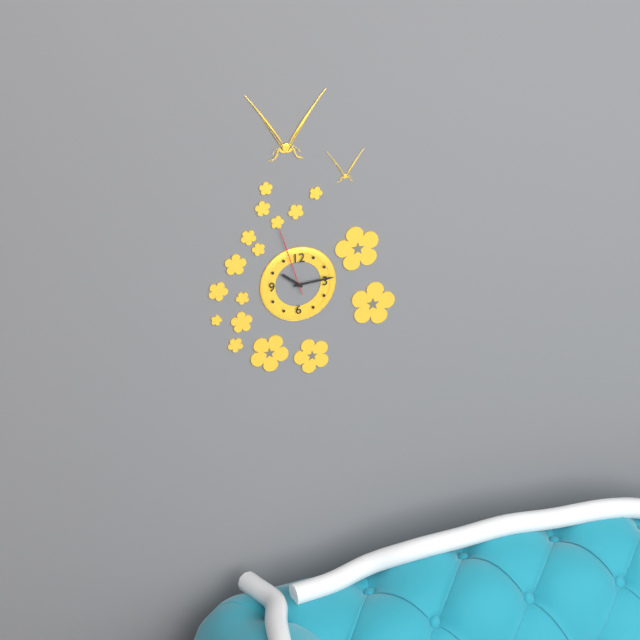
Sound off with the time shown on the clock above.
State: 10:14:57
